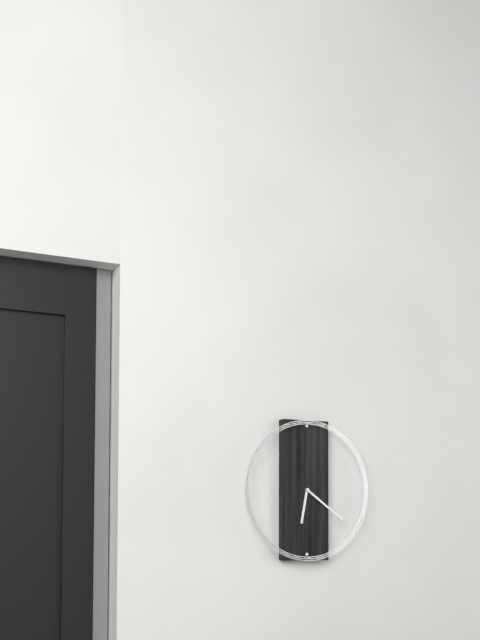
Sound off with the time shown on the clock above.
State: 6:21
